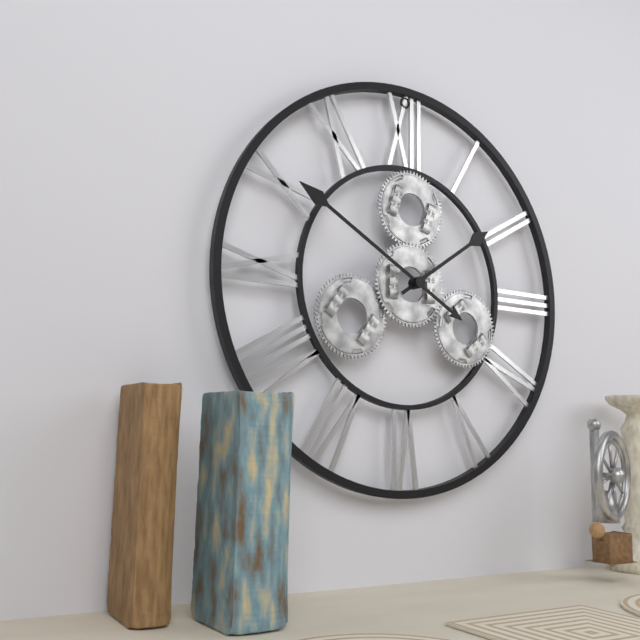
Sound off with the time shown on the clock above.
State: 1:50
